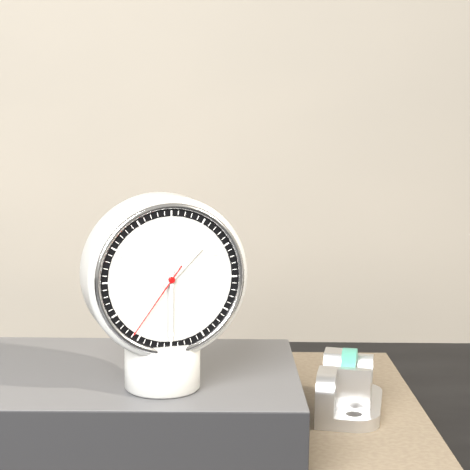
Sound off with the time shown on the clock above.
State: 1:30:36
